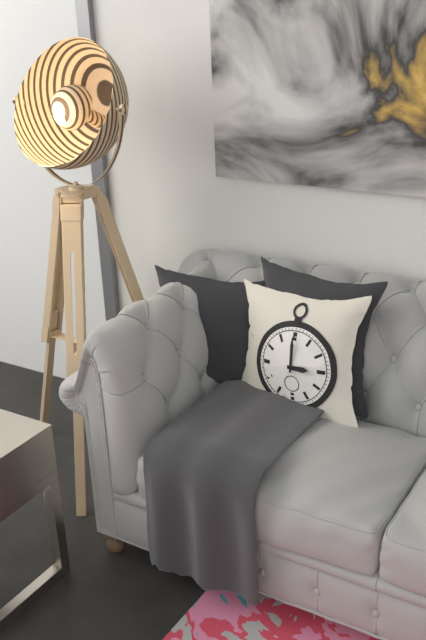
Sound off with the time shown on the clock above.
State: 3:00
